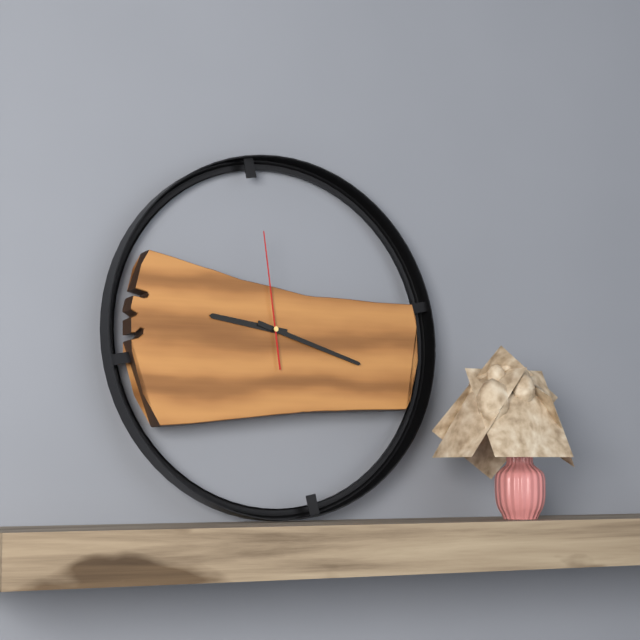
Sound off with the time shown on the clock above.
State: 9:18:59
